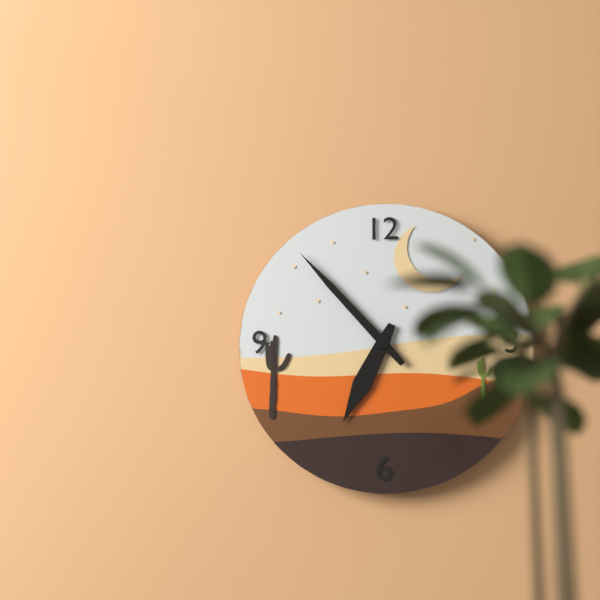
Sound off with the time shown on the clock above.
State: 6:53
